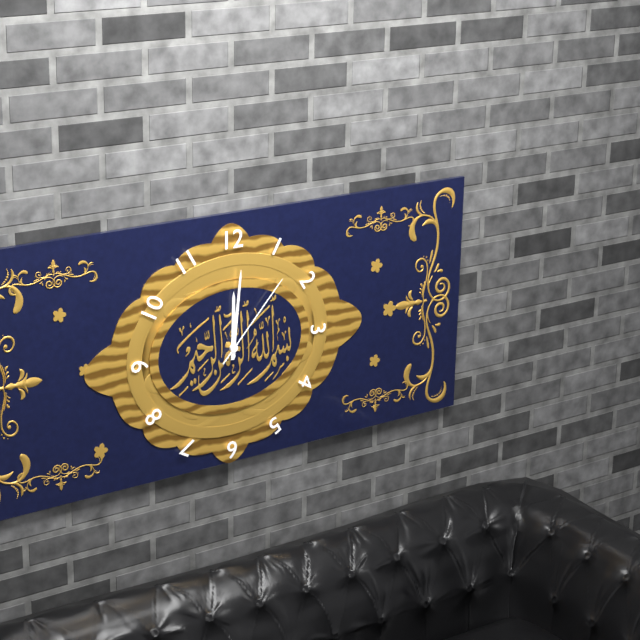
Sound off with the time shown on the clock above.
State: 12:01:07
